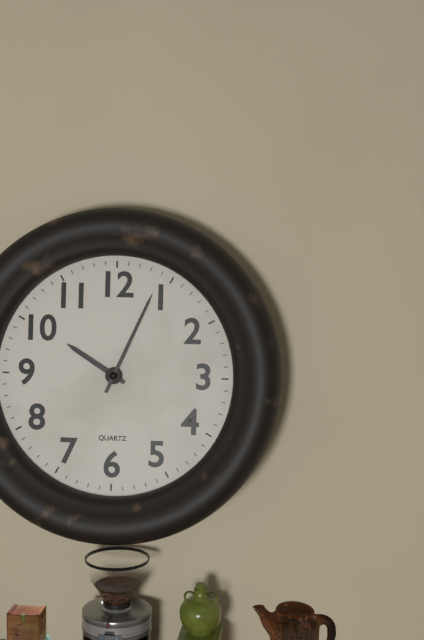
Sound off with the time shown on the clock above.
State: 10:04
